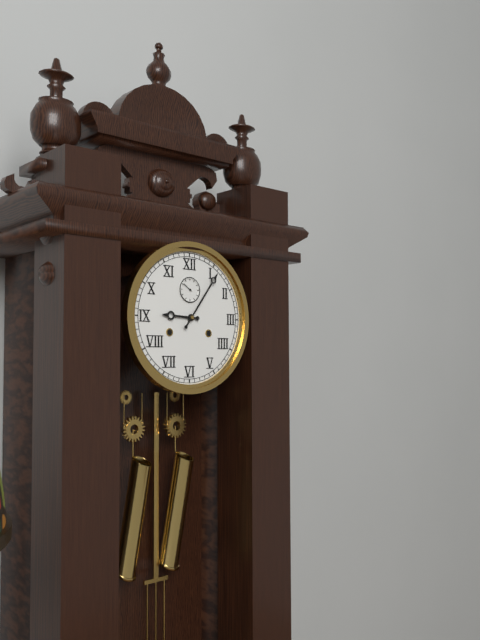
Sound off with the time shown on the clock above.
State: 9:06
